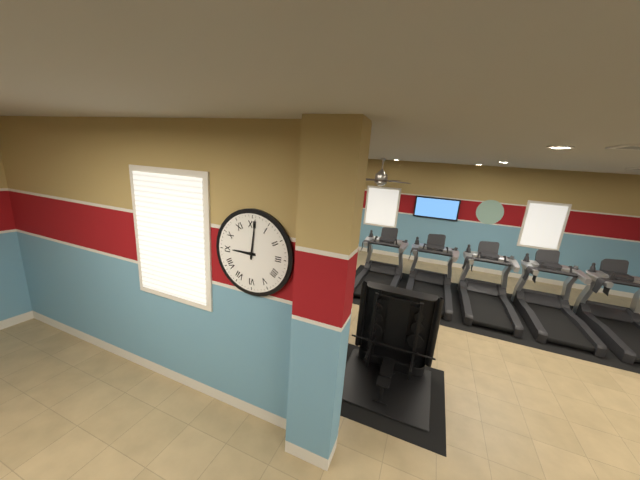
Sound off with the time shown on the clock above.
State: 9:01
